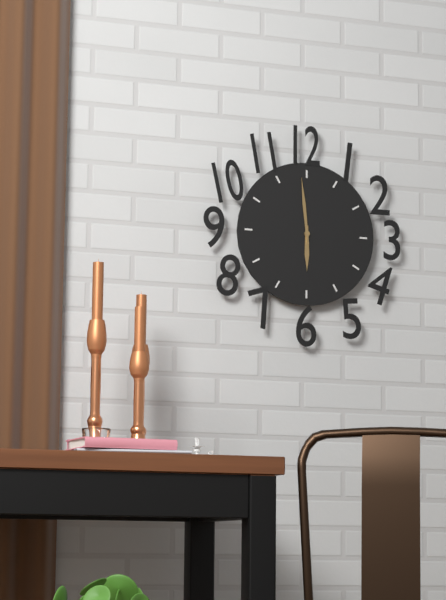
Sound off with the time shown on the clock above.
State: 5:59
